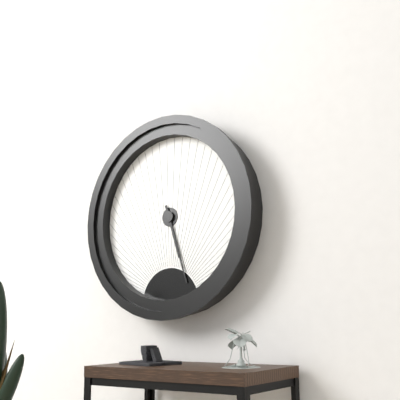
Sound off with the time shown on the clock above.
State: 5:27
